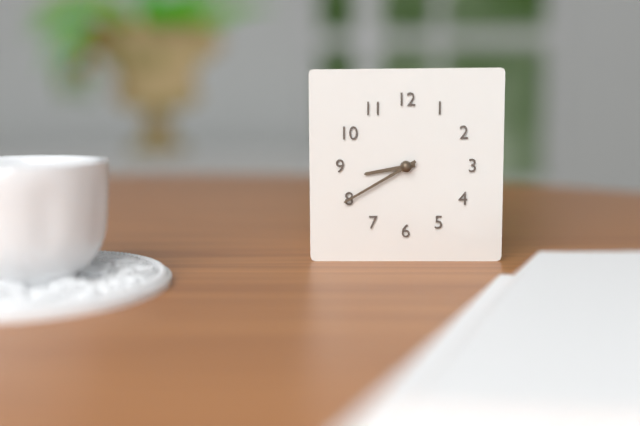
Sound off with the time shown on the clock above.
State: 8:40
